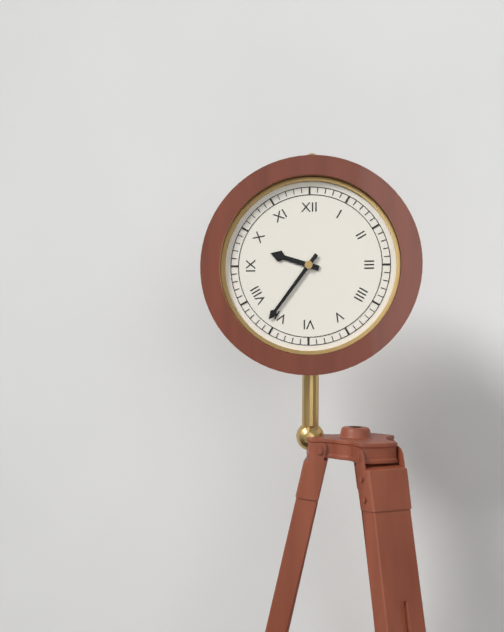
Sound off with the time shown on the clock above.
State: 9:36
